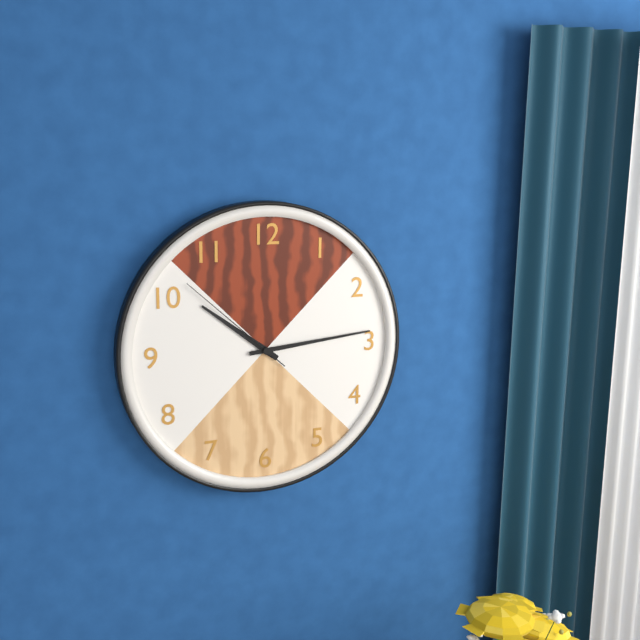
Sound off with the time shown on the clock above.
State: 10:14:52
